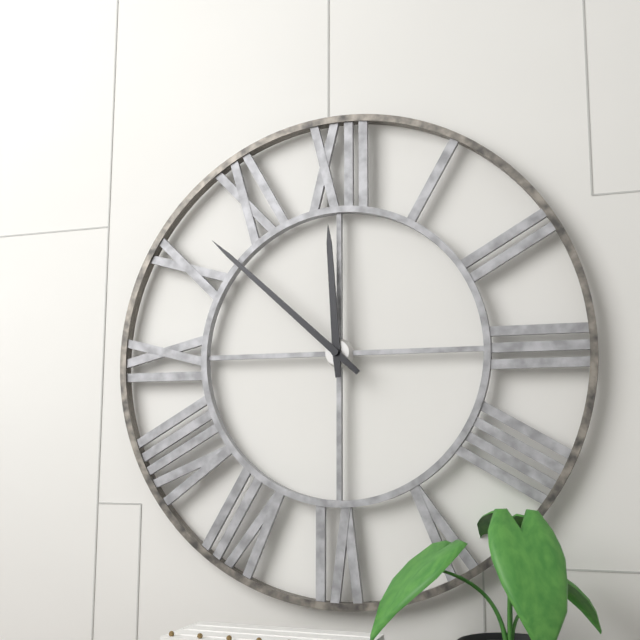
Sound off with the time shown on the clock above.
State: 11:52
